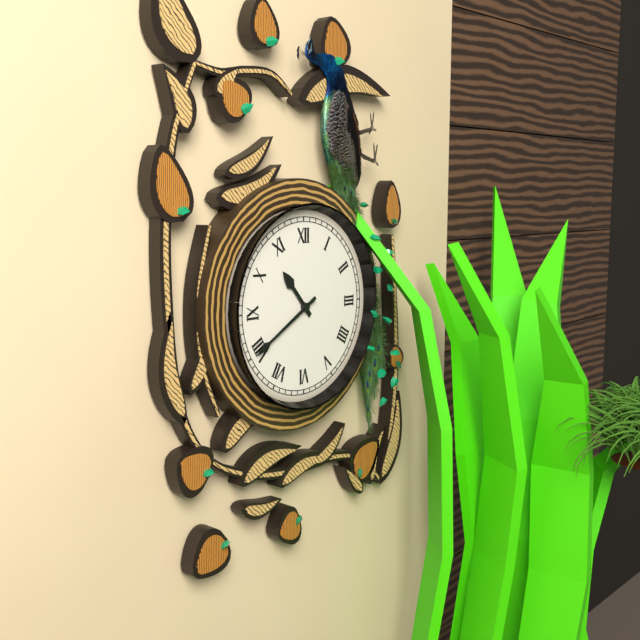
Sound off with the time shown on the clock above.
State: 10:40
